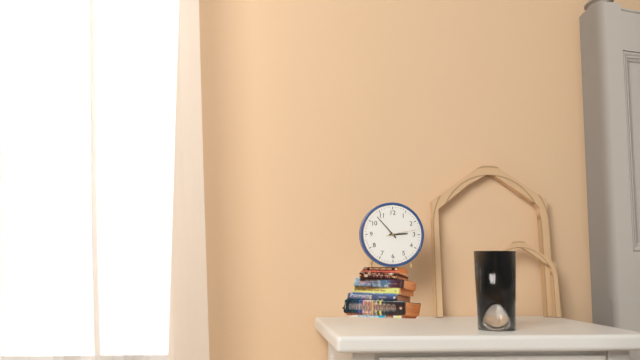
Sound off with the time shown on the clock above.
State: 2:53
